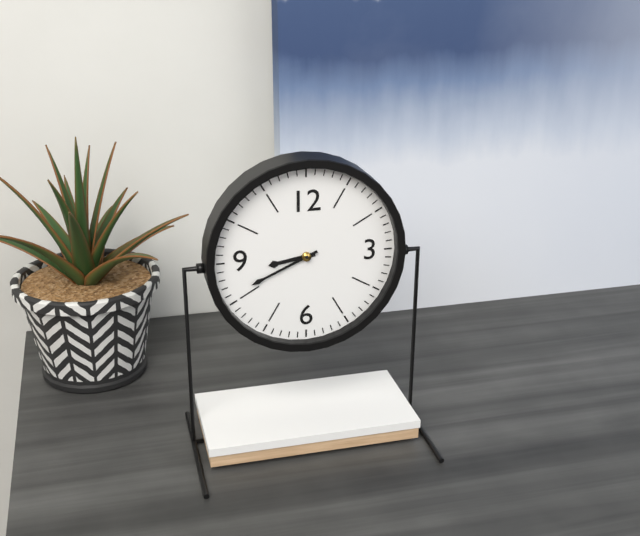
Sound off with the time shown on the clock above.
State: 8:41
